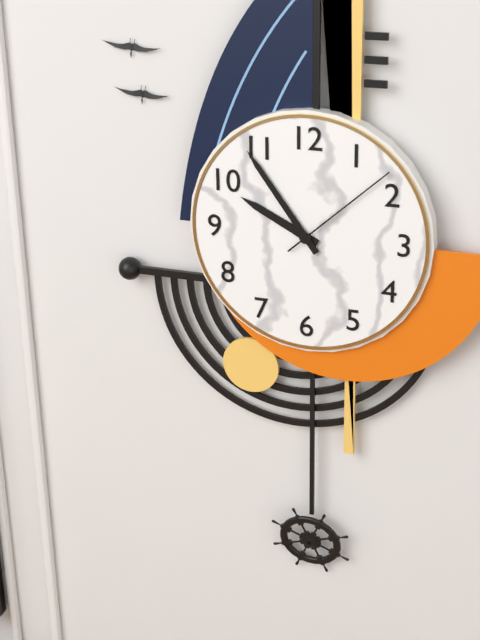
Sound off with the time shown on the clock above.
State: 9:54:08
